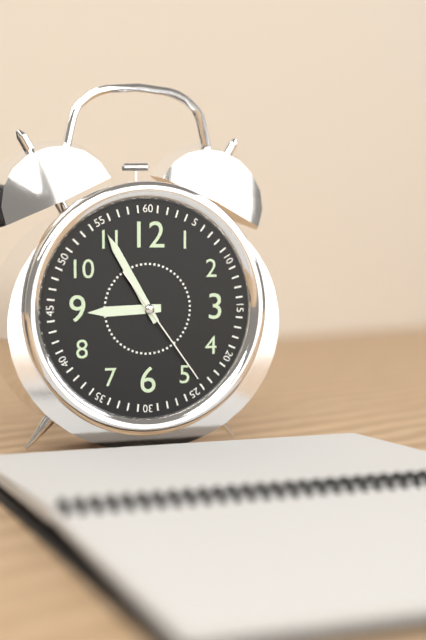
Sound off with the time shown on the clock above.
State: 8:55:24
